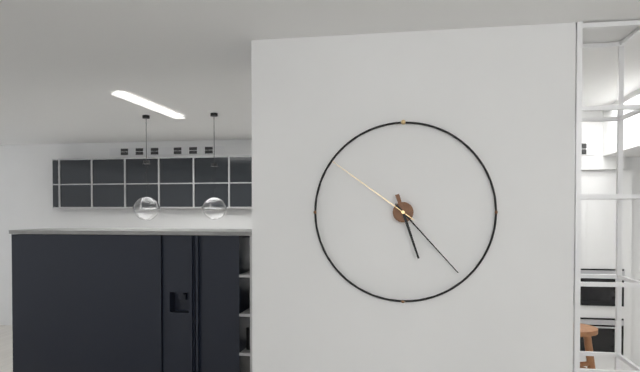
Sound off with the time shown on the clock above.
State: 5:23:51
